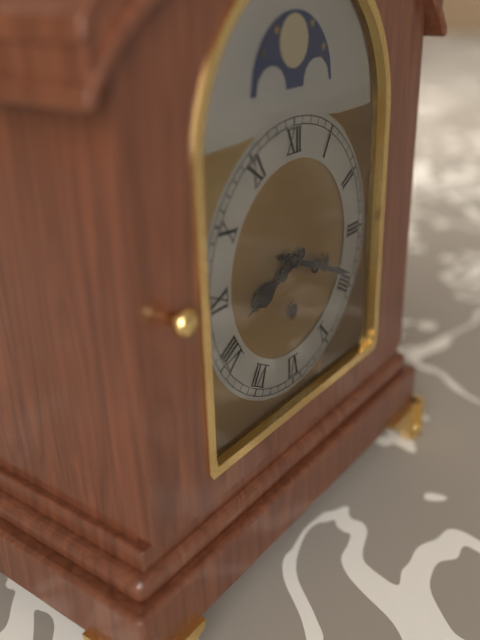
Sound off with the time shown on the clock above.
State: 8:19
